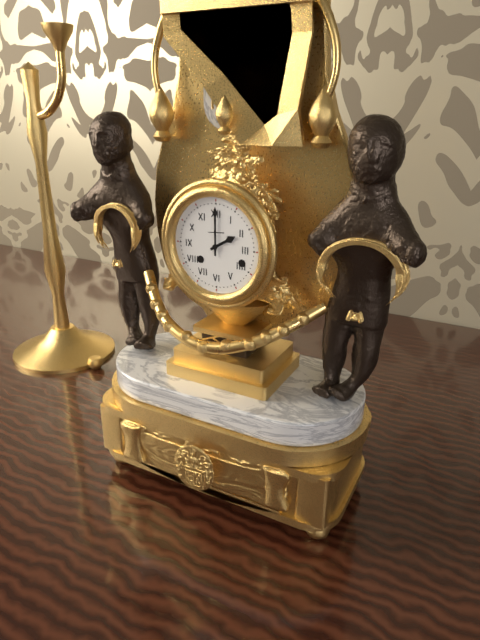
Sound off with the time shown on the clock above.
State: 2:00
